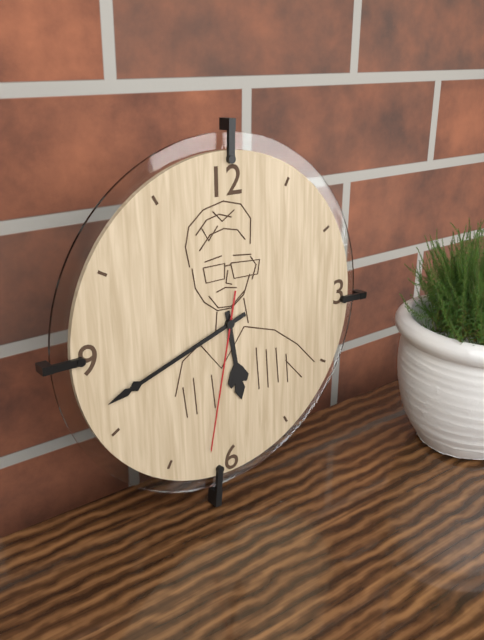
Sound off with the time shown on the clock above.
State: 5:42:32
